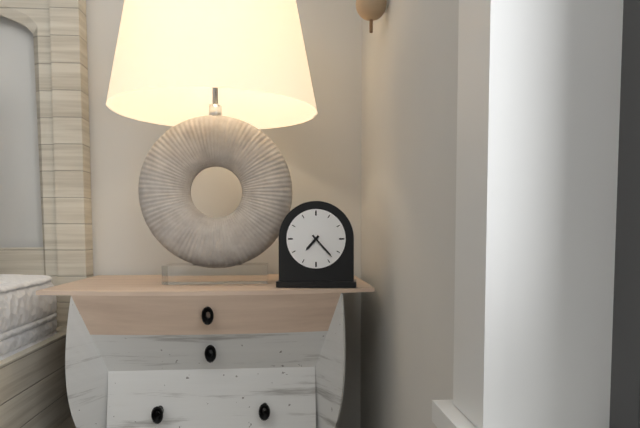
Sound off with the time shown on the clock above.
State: 7:23
